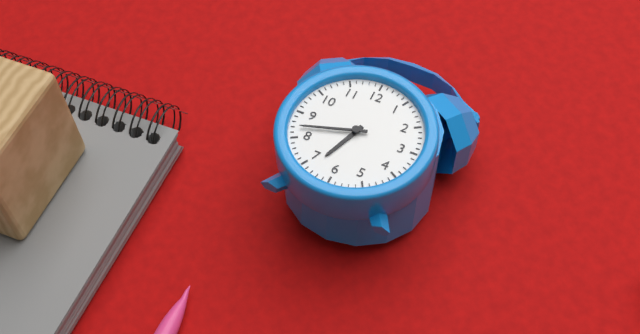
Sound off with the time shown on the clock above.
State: 6:42
